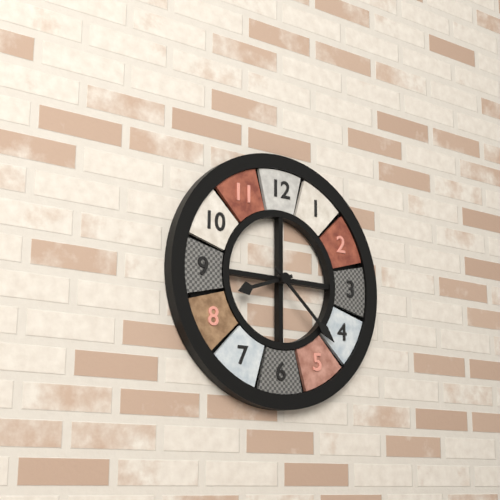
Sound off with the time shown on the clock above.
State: 8:22
